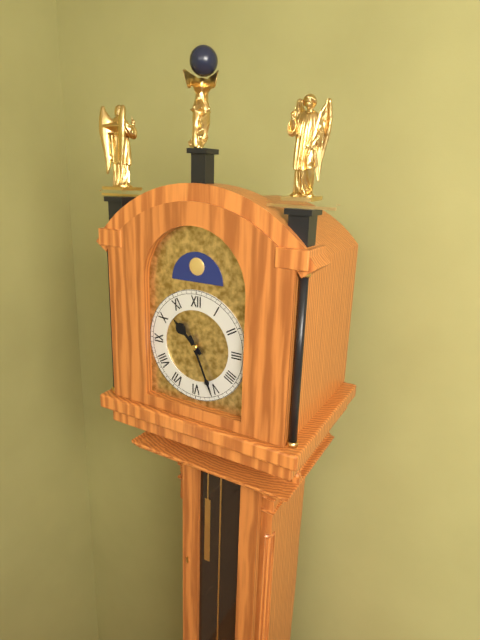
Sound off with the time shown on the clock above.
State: 10:26
